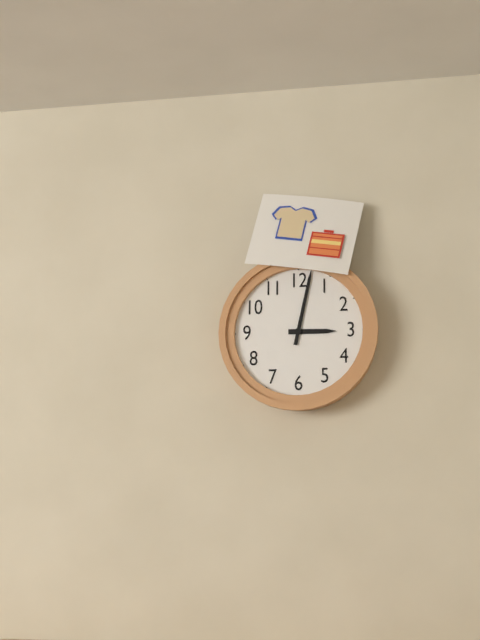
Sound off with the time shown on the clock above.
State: 3:02
